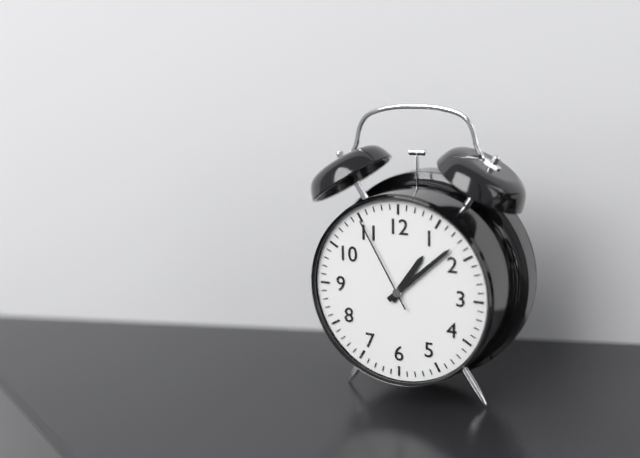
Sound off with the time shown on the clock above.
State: 1:08:55
